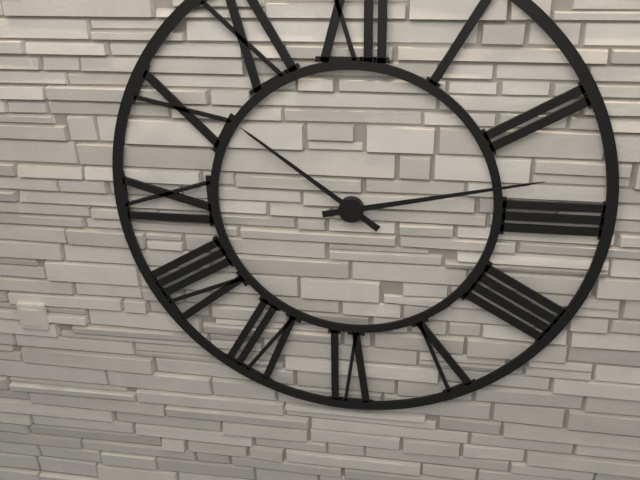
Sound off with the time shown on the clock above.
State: 10:13
